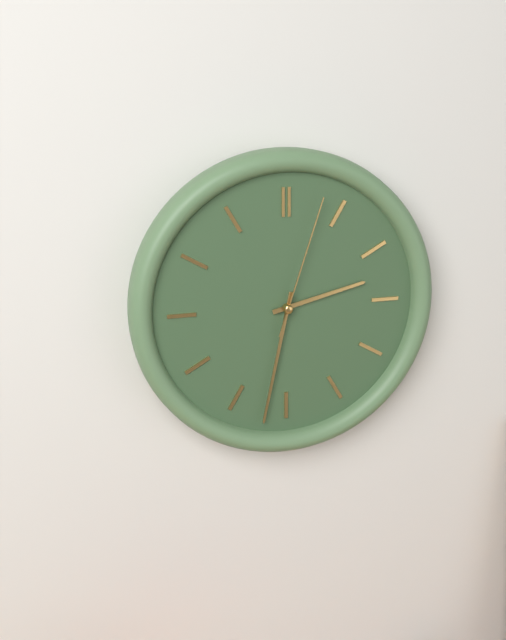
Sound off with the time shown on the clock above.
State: 2:32:03
